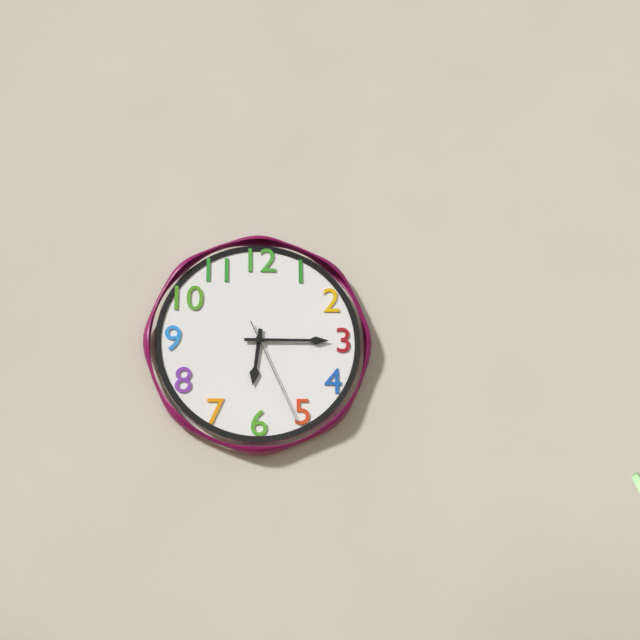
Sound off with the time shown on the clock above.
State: 6:15:26
